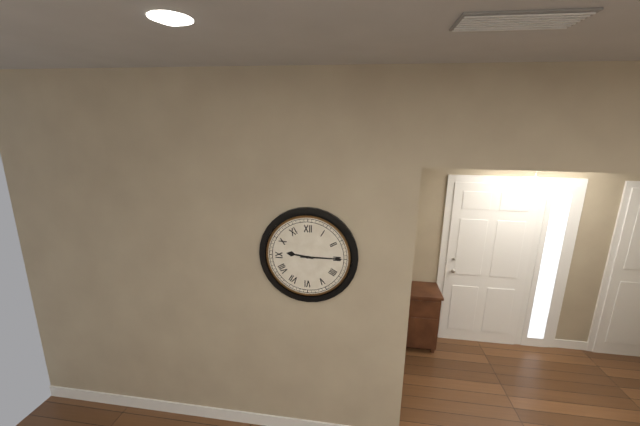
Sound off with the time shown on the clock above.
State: 9:15
